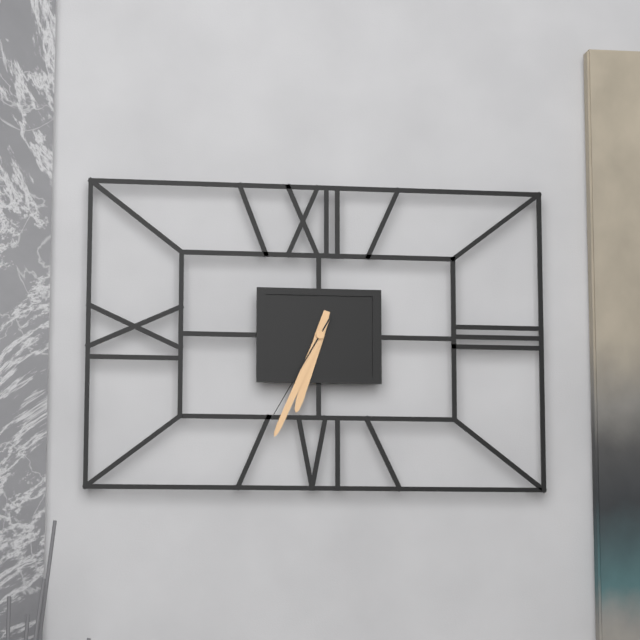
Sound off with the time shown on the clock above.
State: 6:34:35
